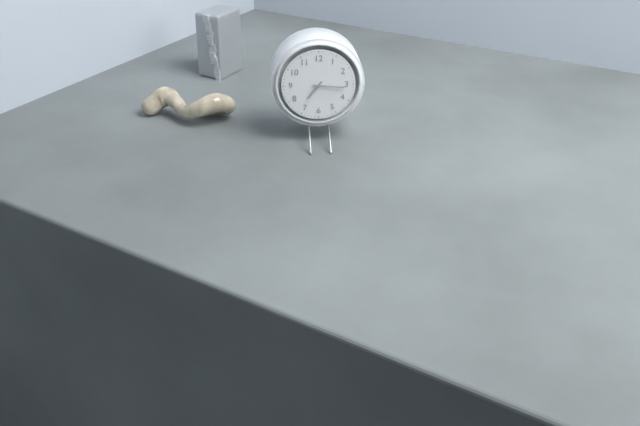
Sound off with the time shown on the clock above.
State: 7:16
